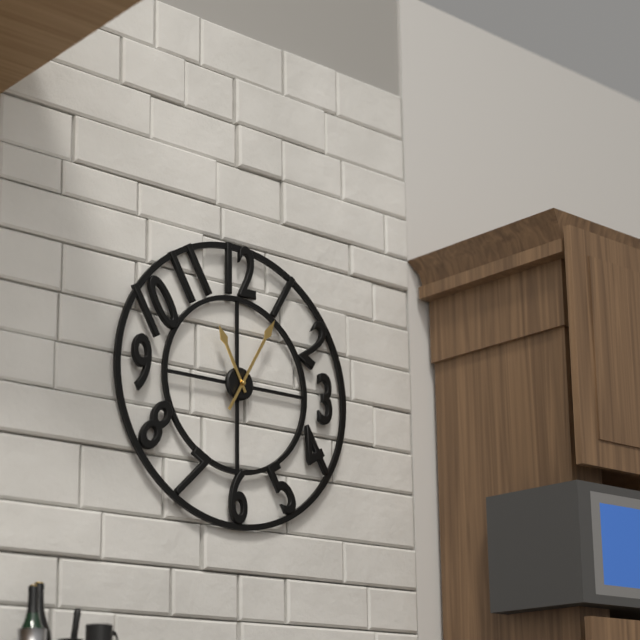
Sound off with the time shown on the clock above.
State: 11:05
